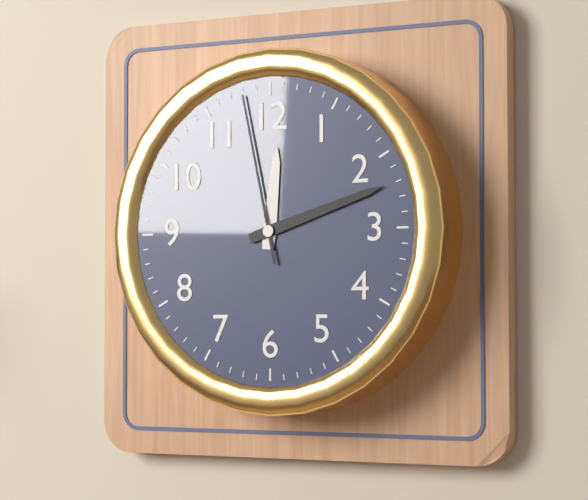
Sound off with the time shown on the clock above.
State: 12:12:58
